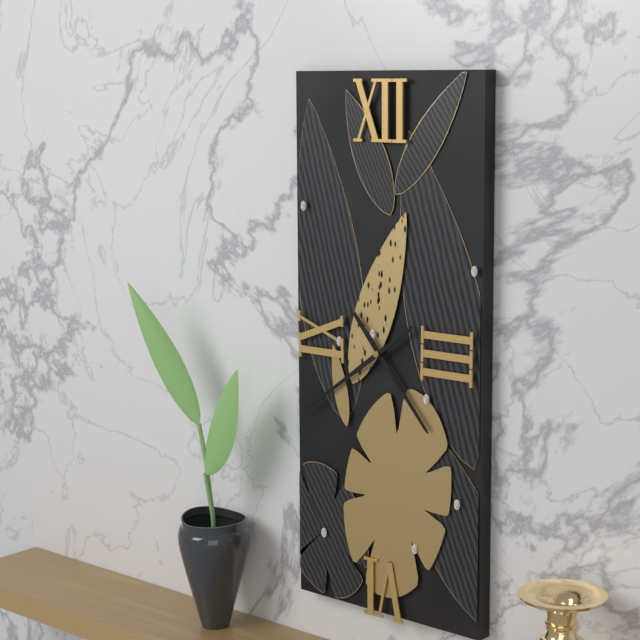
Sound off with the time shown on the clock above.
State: 4:39
